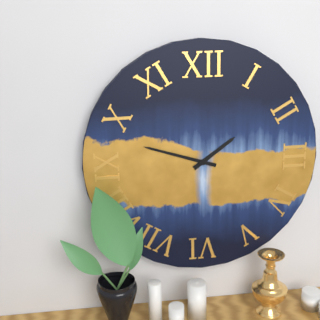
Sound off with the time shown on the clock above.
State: 1:48
